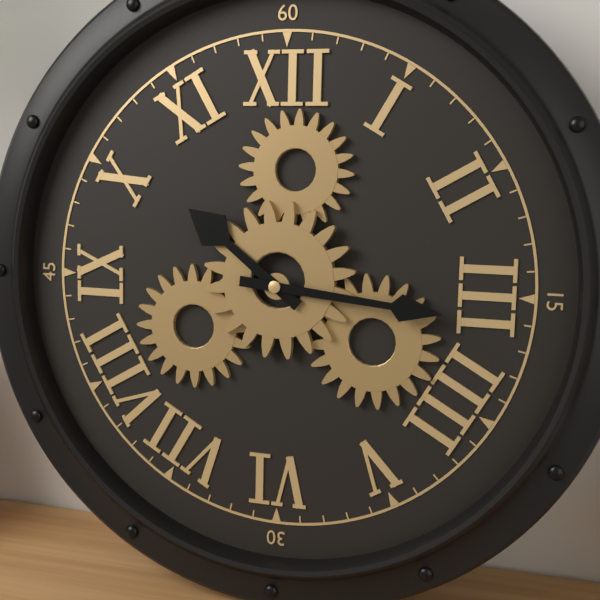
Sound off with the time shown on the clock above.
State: 10:16
